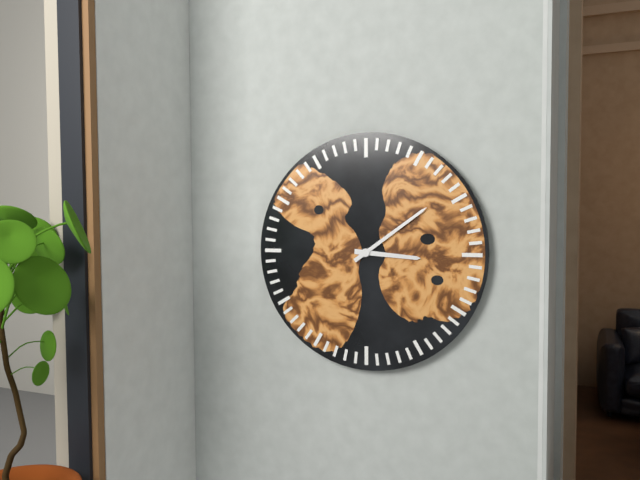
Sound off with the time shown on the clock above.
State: 3:09
